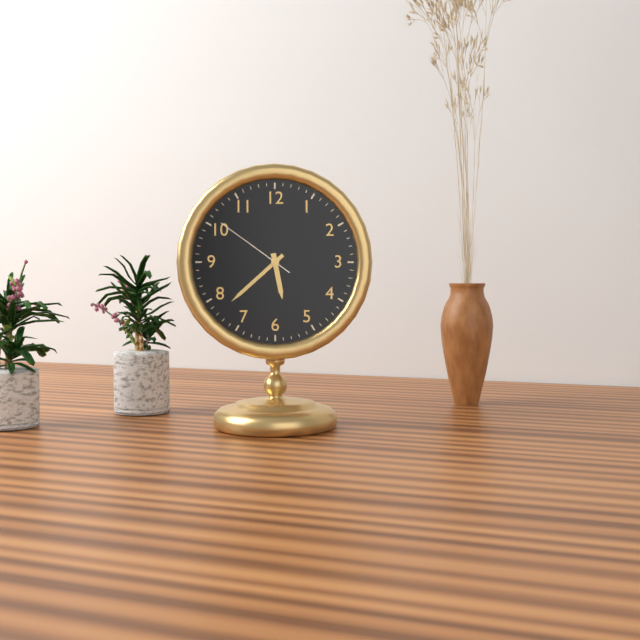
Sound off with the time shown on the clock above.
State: 5:38:51
